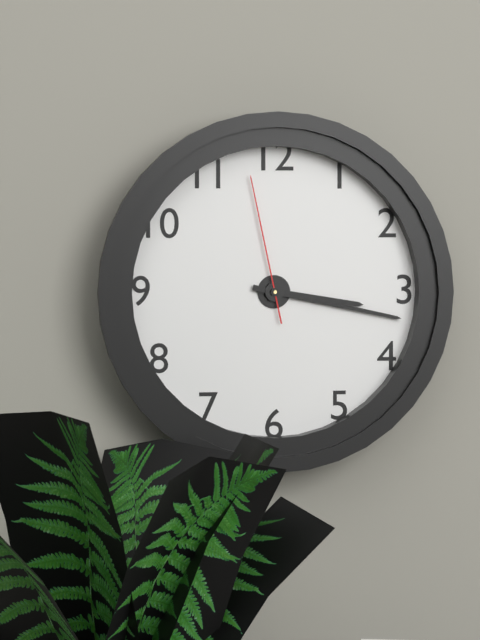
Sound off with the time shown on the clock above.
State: 3:17:58
